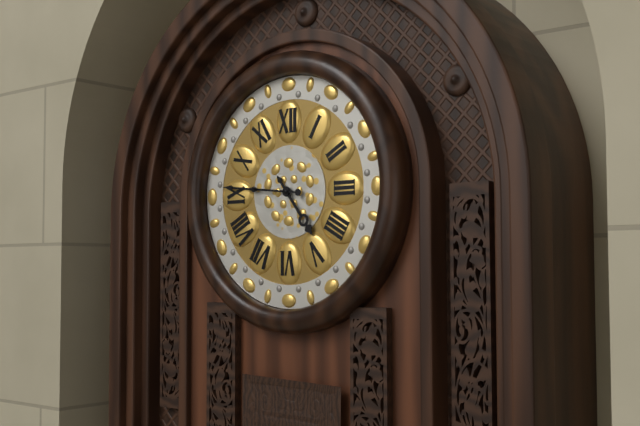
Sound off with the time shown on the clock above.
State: 4:46
